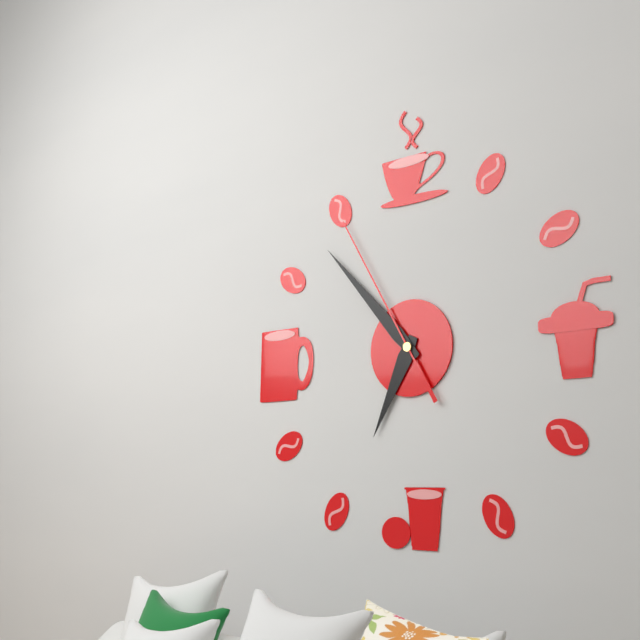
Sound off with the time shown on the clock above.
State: 6:53:55
